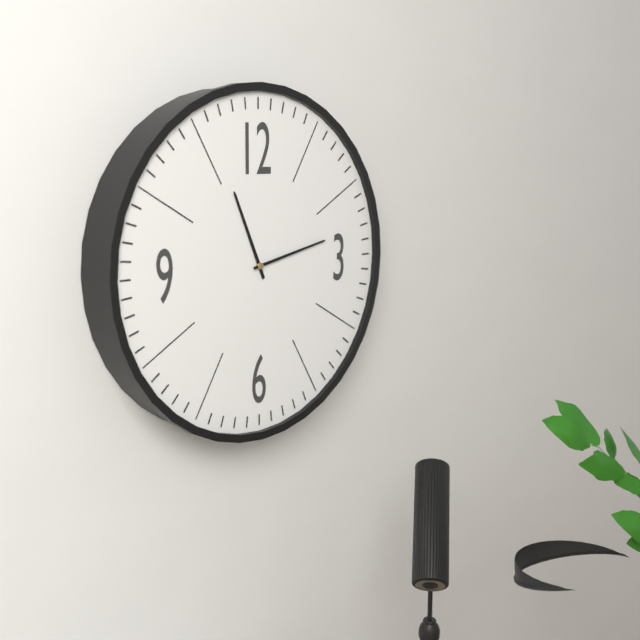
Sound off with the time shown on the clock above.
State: 11:13
